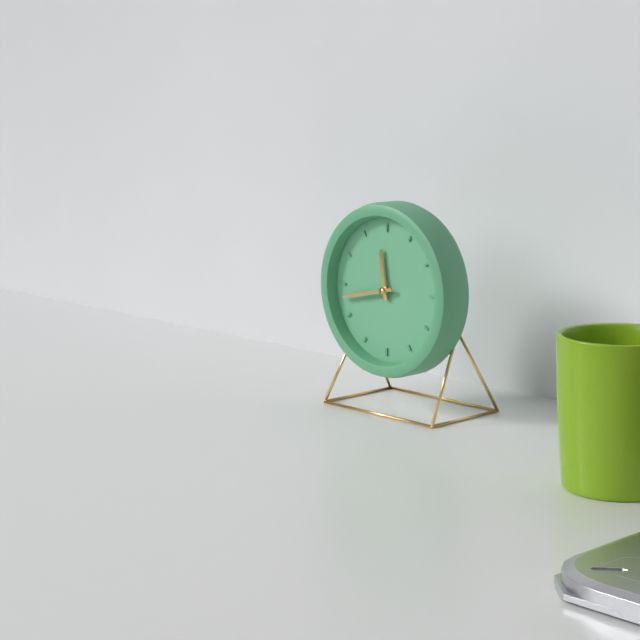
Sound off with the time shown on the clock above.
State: 11:43
